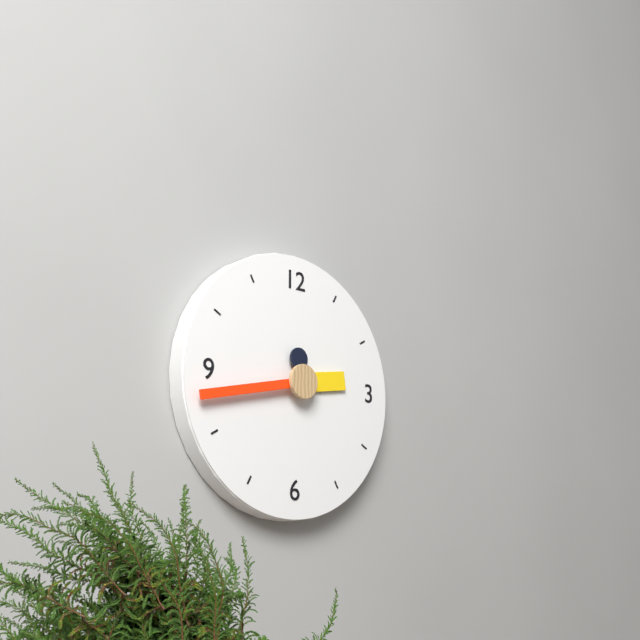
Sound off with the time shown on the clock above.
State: 2:43
